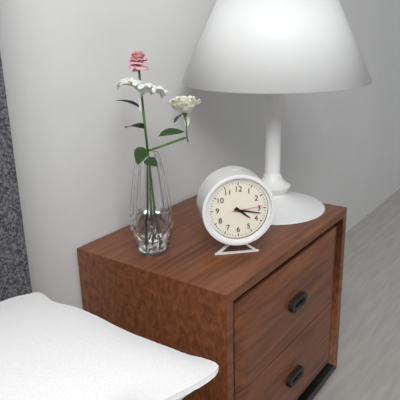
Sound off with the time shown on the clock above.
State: 4:17
